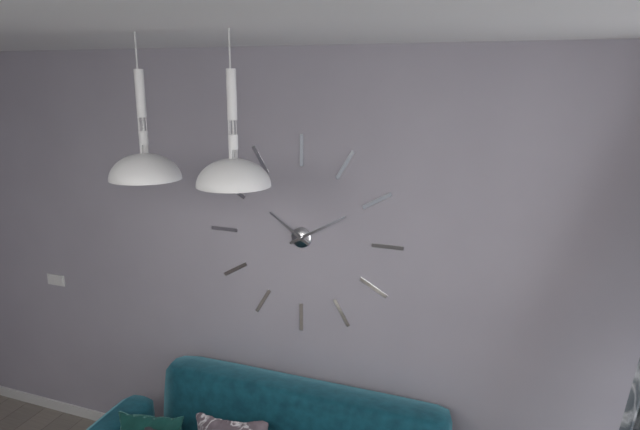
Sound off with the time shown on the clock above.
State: 10:10
